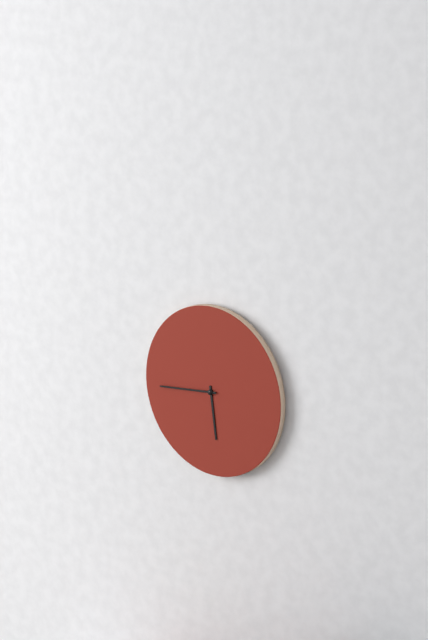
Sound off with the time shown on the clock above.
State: 5:44
